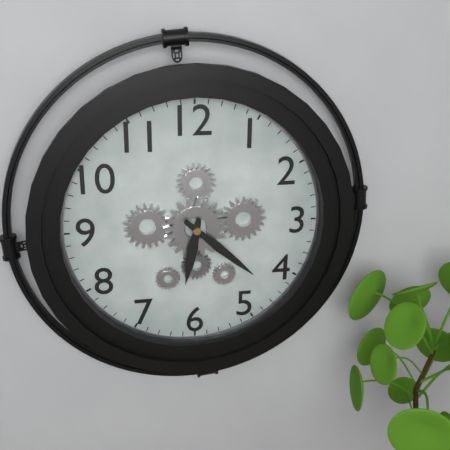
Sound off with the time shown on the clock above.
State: 6:22
